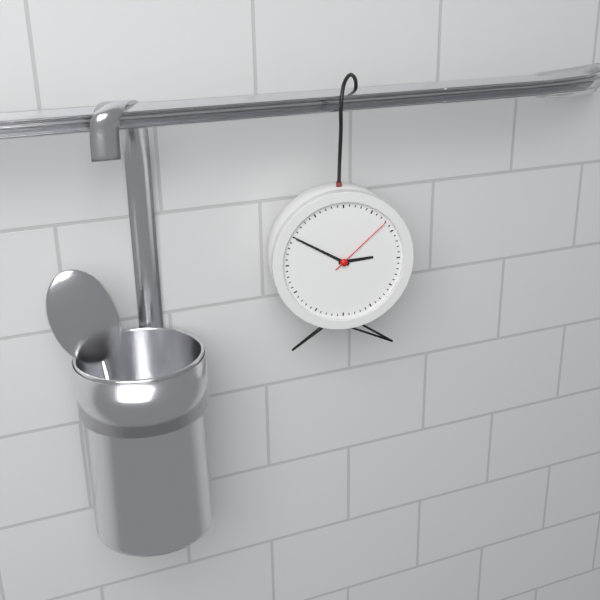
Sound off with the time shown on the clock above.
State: 2:50:08
